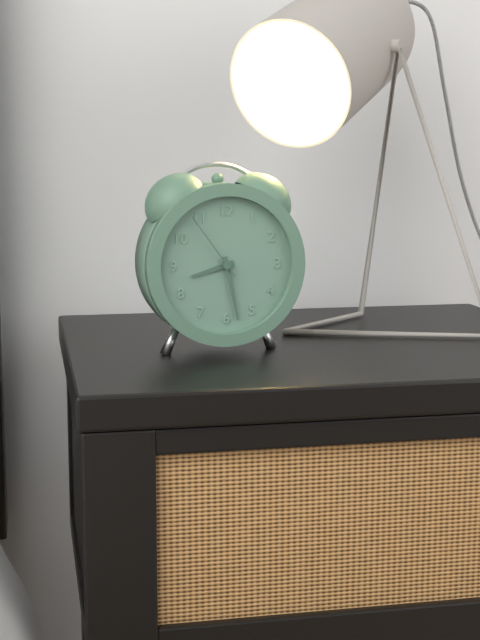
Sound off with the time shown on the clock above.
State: 8:28:54
